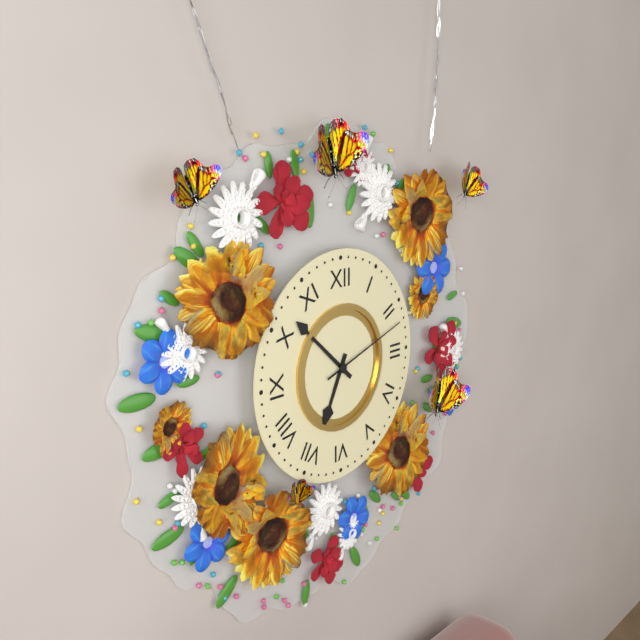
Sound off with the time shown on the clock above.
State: 6:52:12
